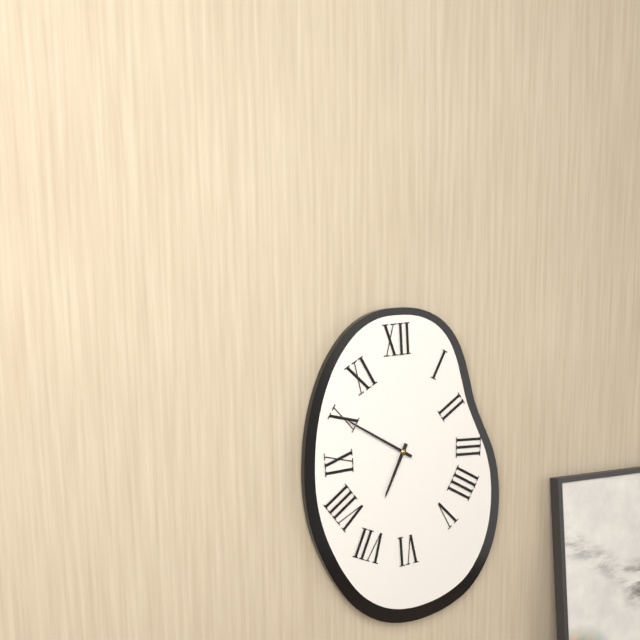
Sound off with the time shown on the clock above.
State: 6:50
